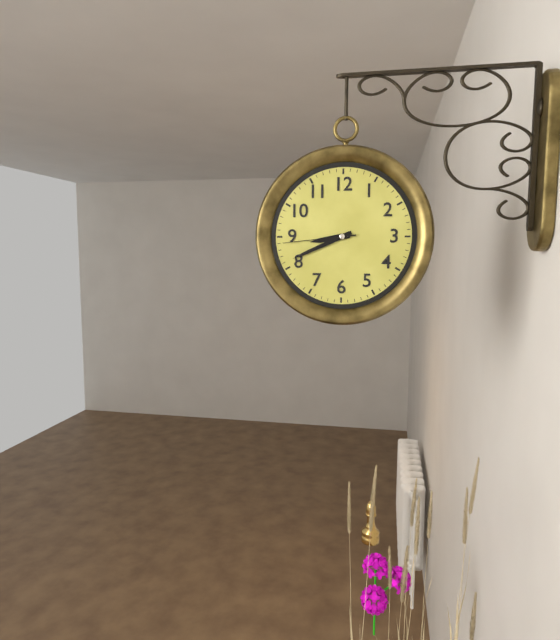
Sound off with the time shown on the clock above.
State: 8:41:44
